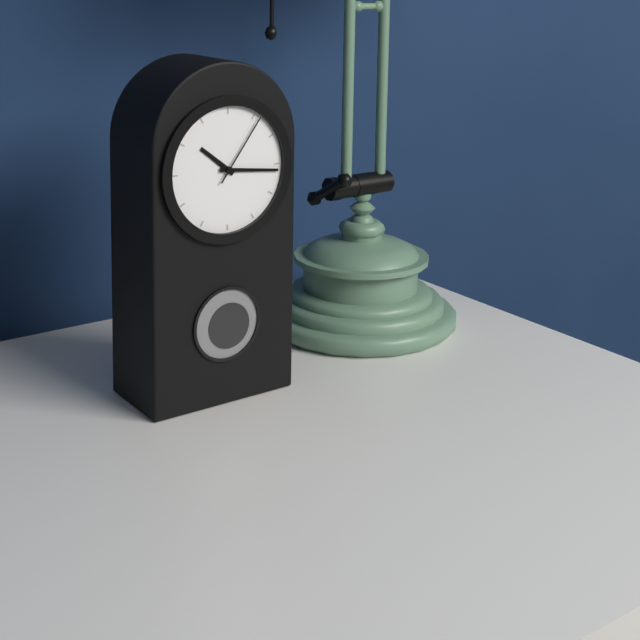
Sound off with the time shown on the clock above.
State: 10:16:06
